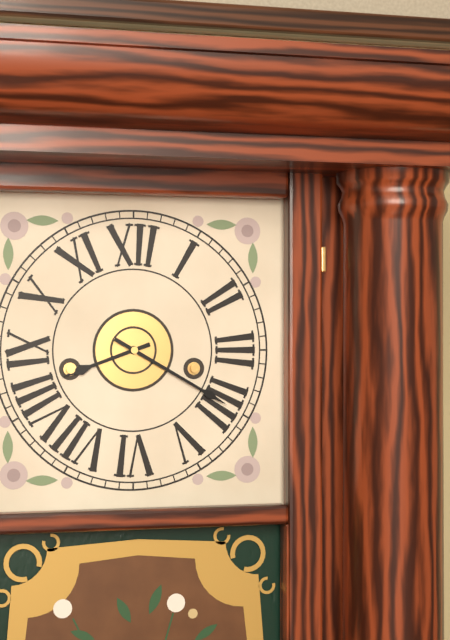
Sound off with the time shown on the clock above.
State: 8:20
